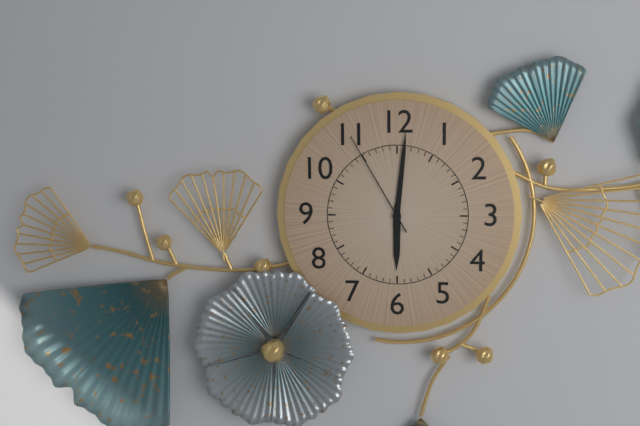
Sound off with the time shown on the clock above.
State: 6:01:55
